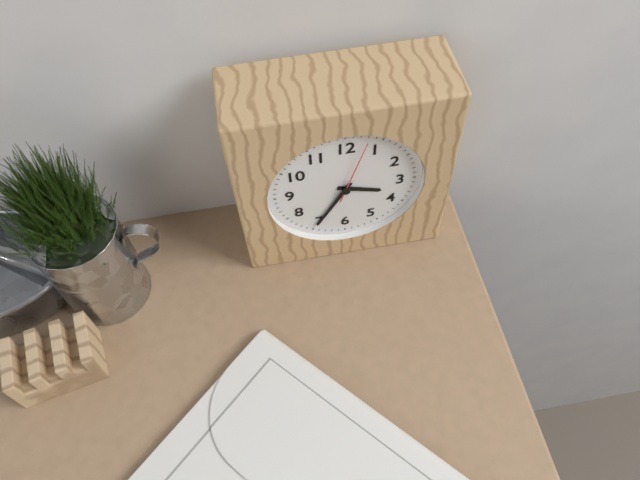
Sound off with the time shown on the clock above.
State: 3:35:03
